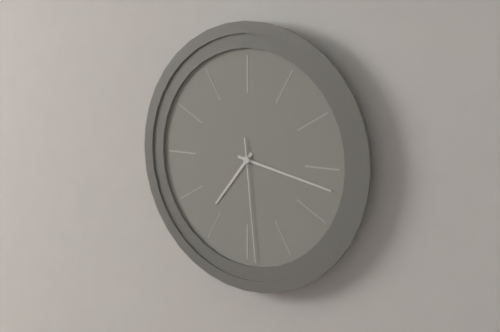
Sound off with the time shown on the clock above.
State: 7:17:29
